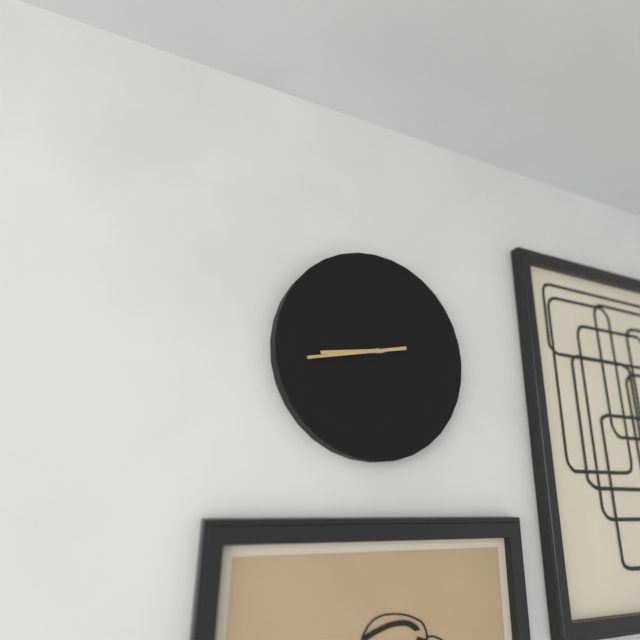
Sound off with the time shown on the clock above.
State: 8:43
